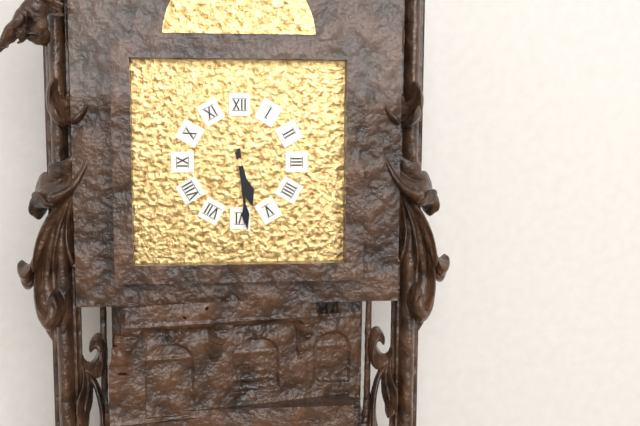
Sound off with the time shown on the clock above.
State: 5:29
